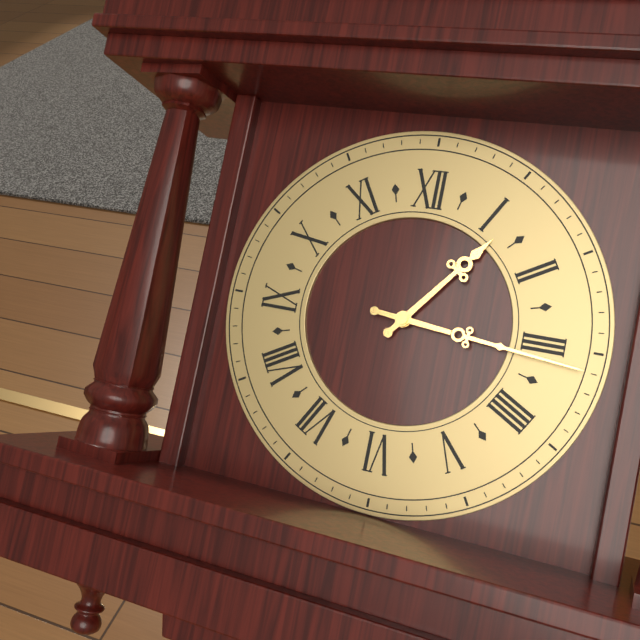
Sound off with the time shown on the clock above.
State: 1:16
